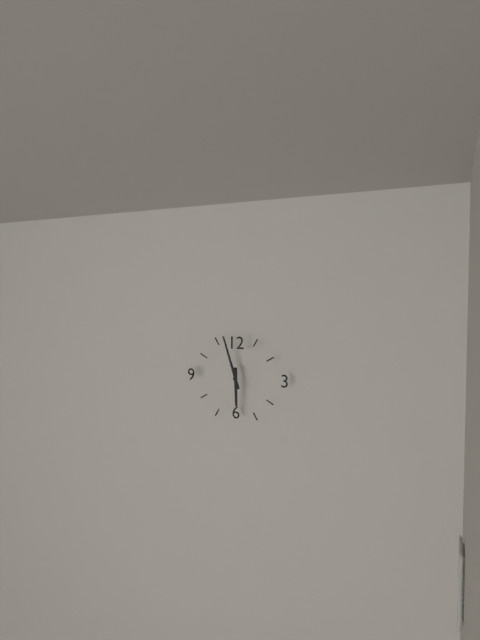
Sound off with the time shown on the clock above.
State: 5:57
